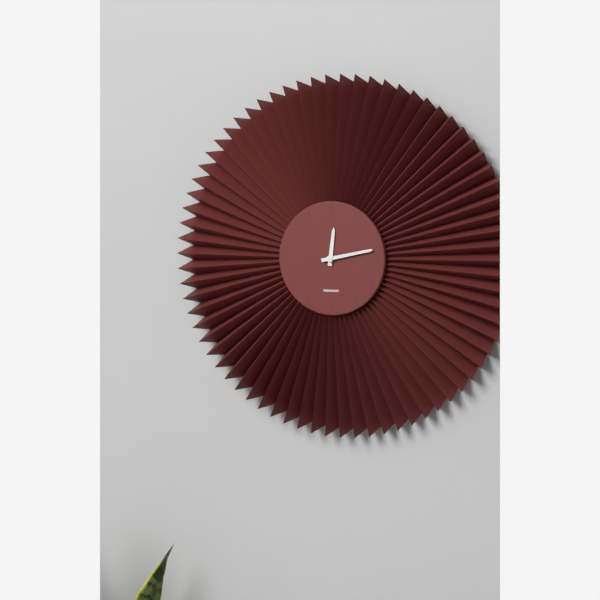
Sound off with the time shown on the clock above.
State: 12:13
